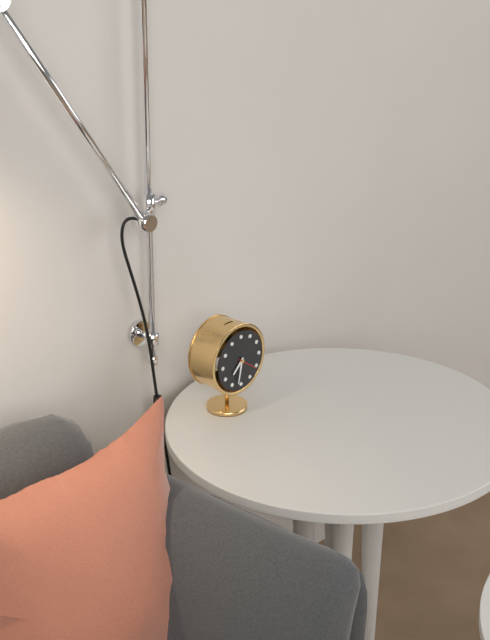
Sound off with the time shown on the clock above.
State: 7:32
